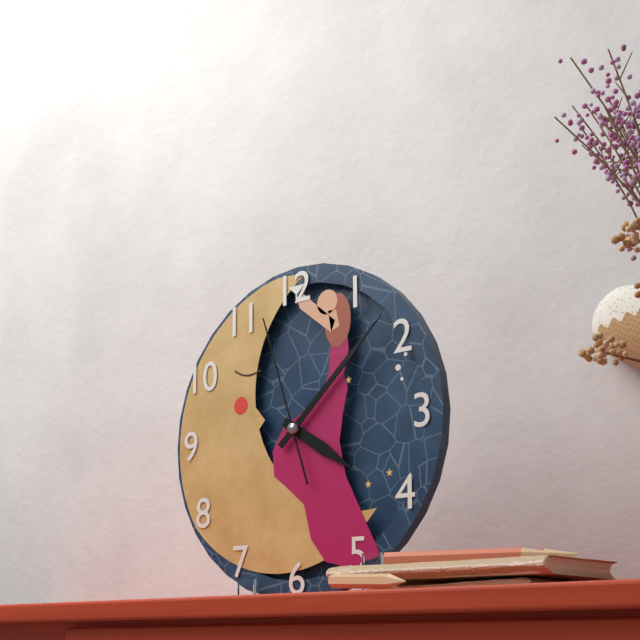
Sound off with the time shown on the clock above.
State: 4:08:57
